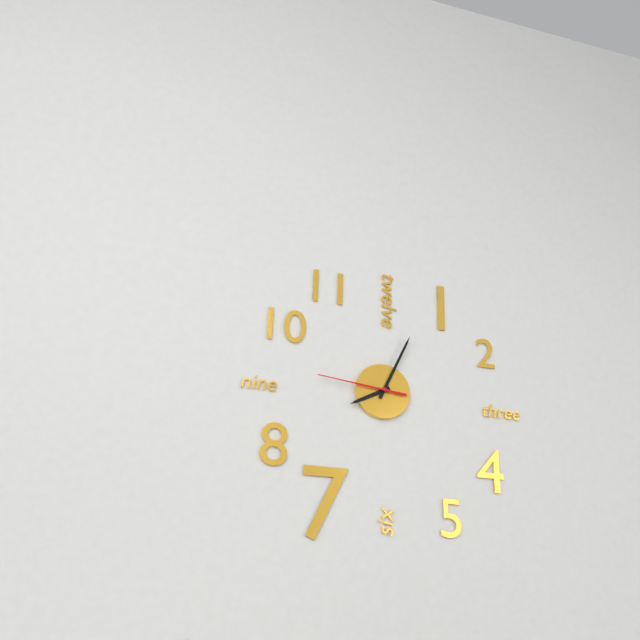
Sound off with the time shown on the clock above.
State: 8:04:46
